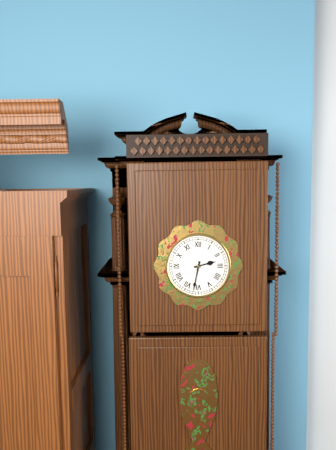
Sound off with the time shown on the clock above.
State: 2:32
